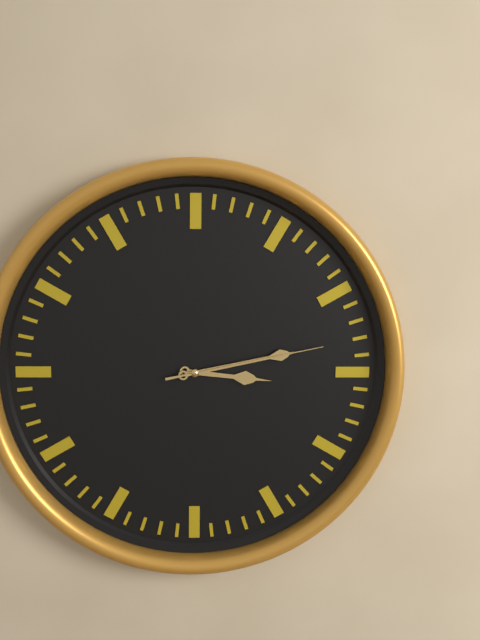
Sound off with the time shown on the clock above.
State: 3:13:13
